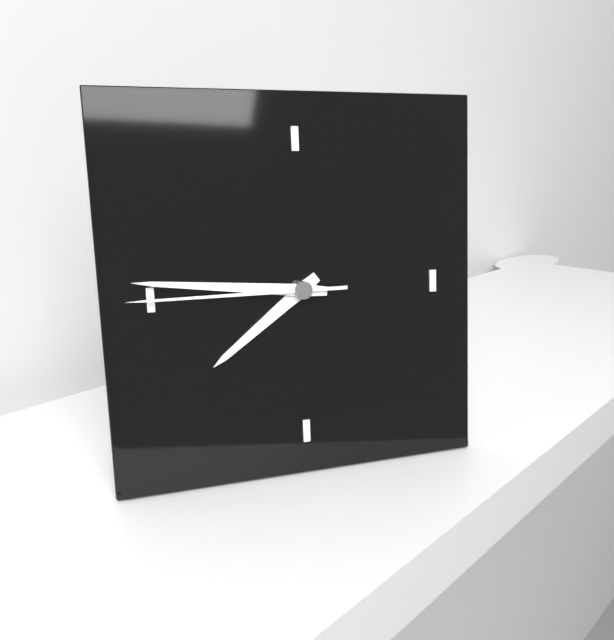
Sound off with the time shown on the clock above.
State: 7:46:45
